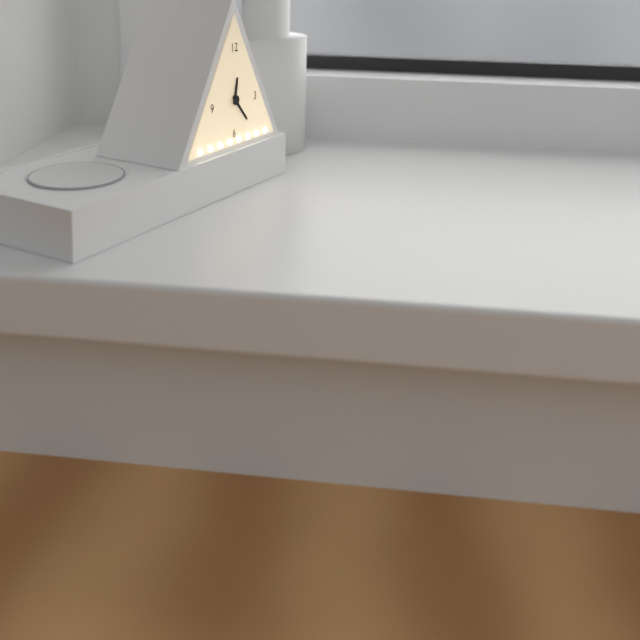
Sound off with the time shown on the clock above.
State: 12:23
